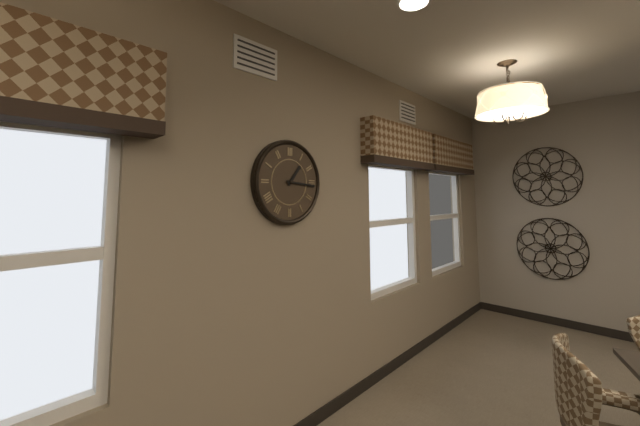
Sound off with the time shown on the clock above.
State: 1:16
